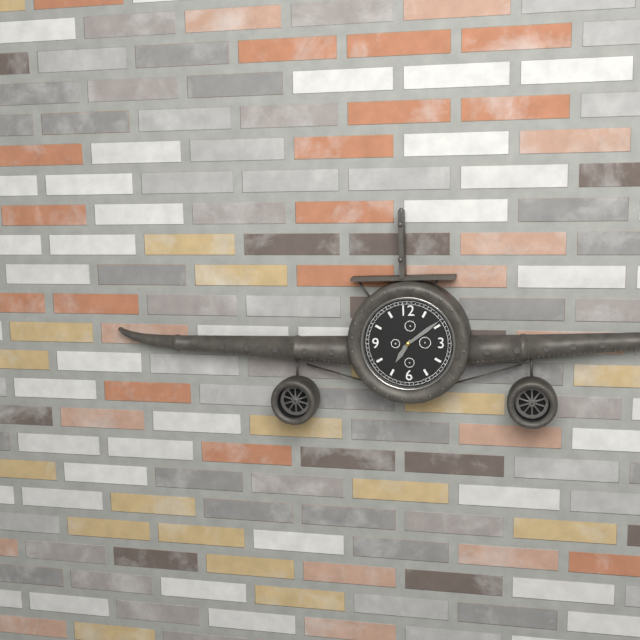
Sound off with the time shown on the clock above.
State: 7:09
